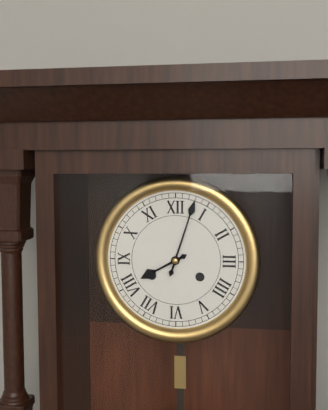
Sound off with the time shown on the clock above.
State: 8:03
